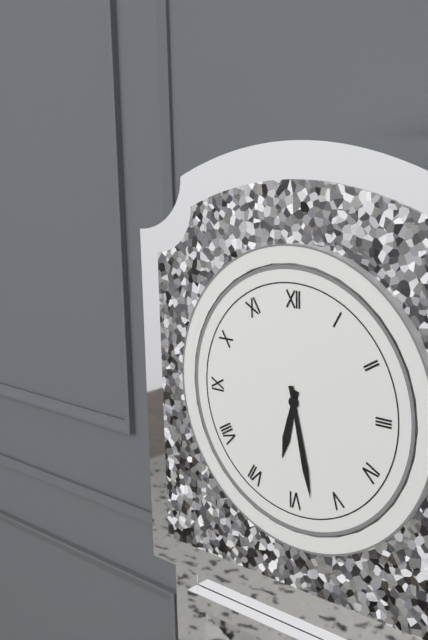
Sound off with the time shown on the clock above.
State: 6:28
